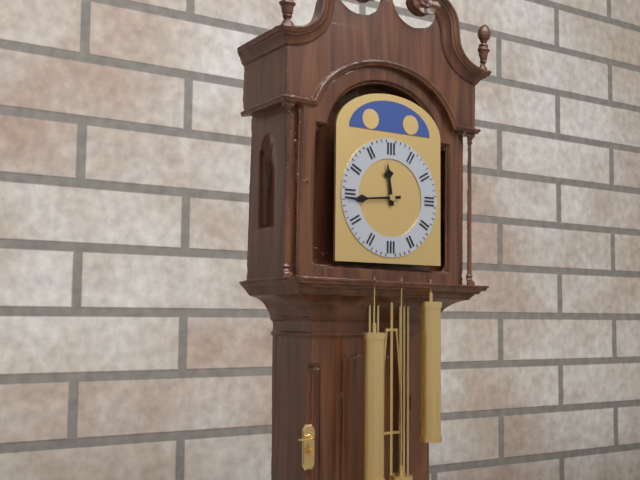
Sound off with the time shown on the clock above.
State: 11:44
